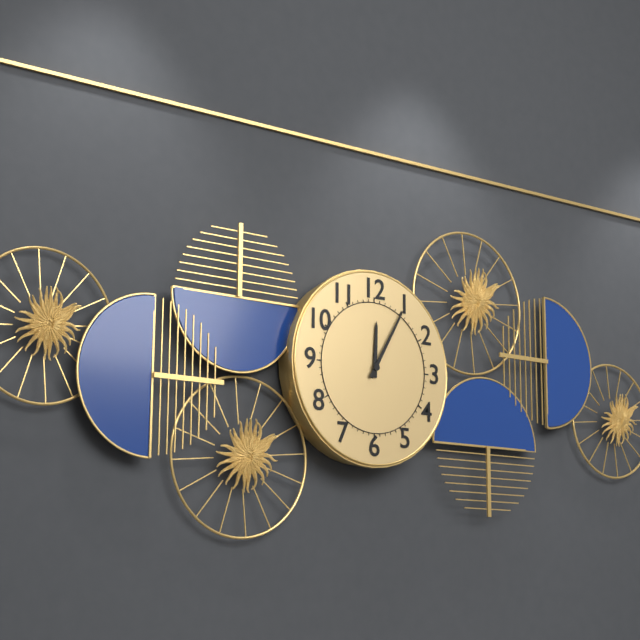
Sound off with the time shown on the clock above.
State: 12:05
